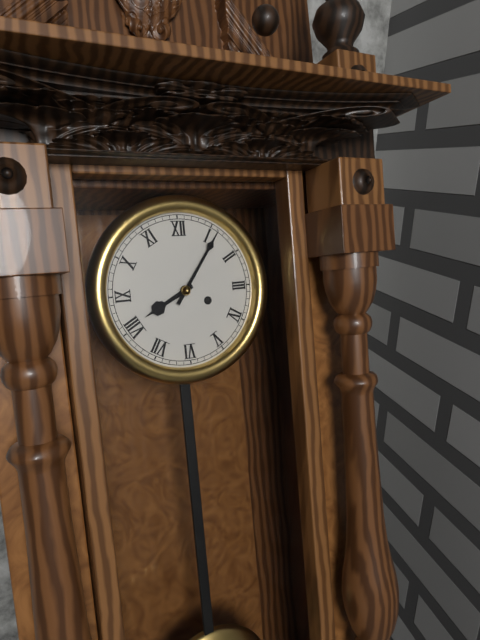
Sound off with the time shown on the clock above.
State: 8:06
